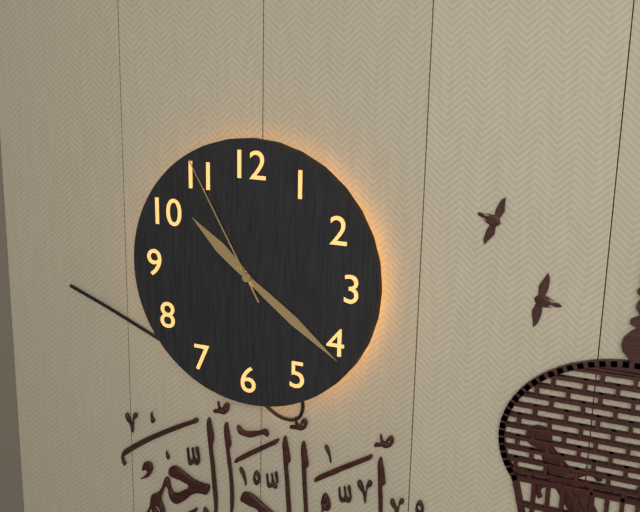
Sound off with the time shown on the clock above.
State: 10:21:55
